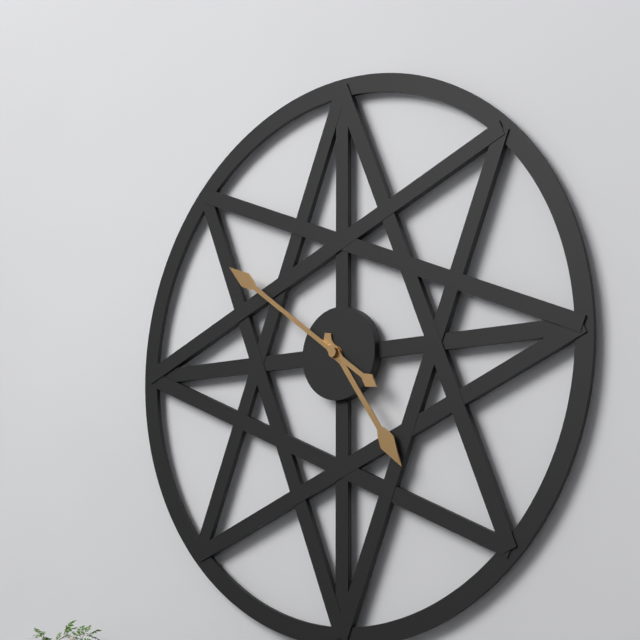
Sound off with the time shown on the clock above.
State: 4:51
